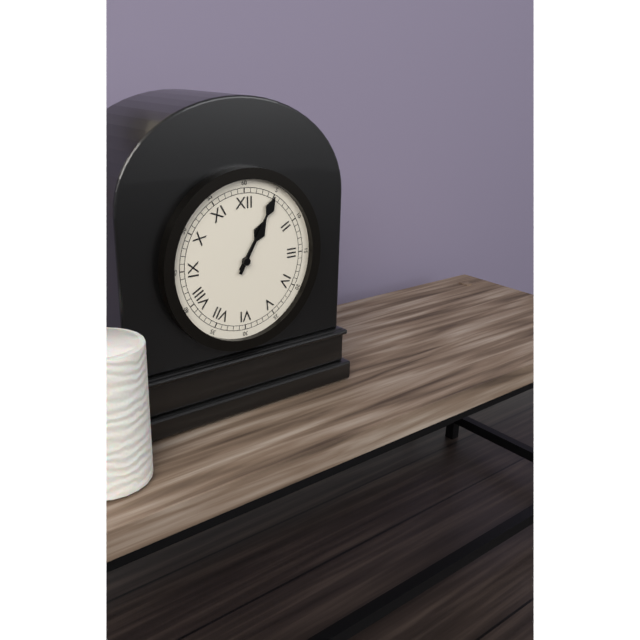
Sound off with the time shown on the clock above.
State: 1:05
